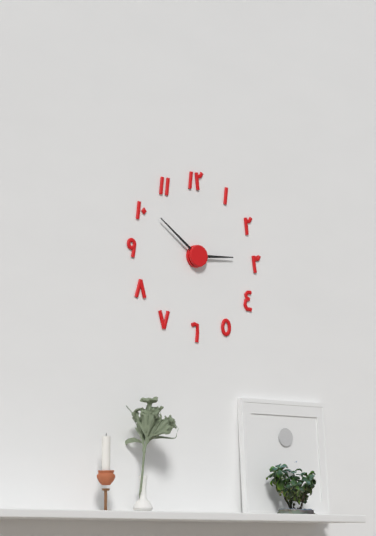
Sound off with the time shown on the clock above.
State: 2:51
